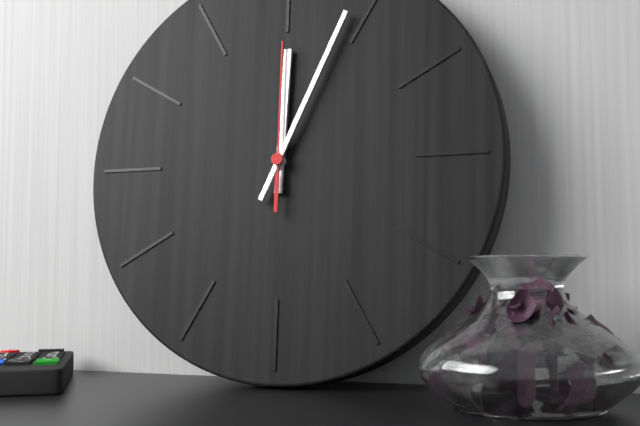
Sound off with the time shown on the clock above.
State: 12:04:00
